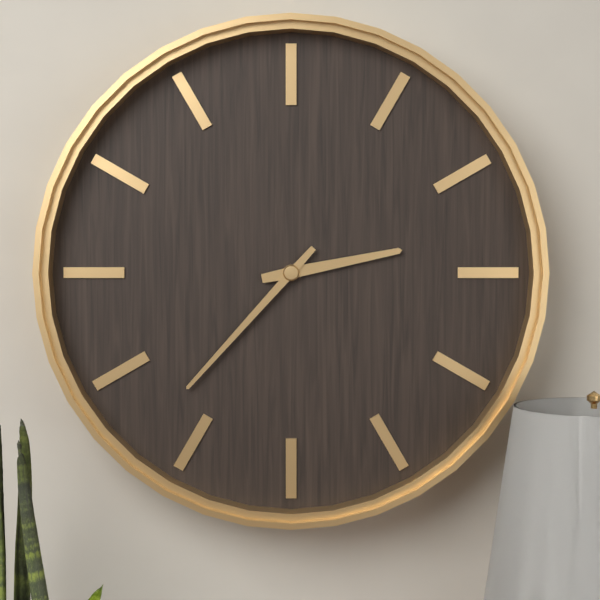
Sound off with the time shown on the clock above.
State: 2:37
